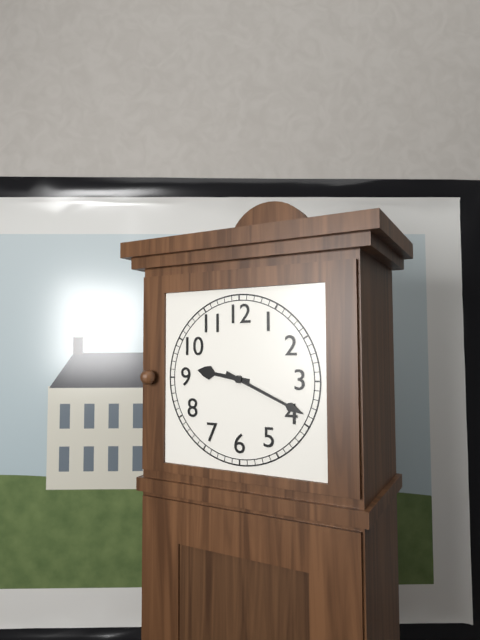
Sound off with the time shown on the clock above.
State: 9:19
